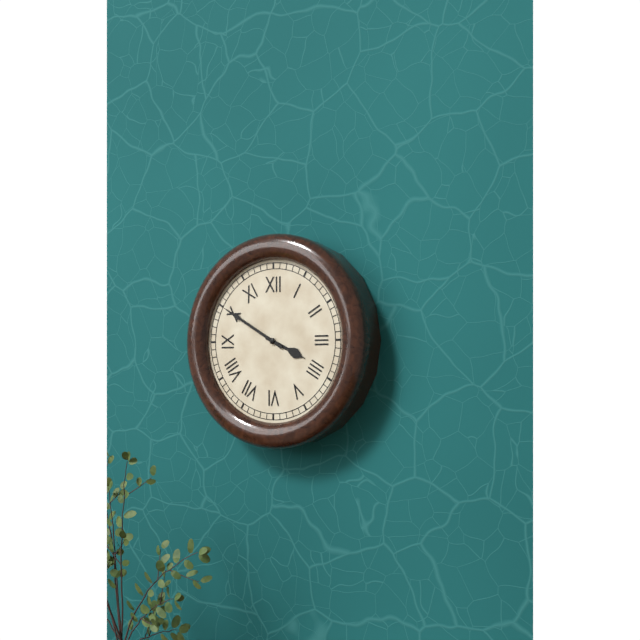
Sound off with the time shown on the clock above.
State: 3:50
